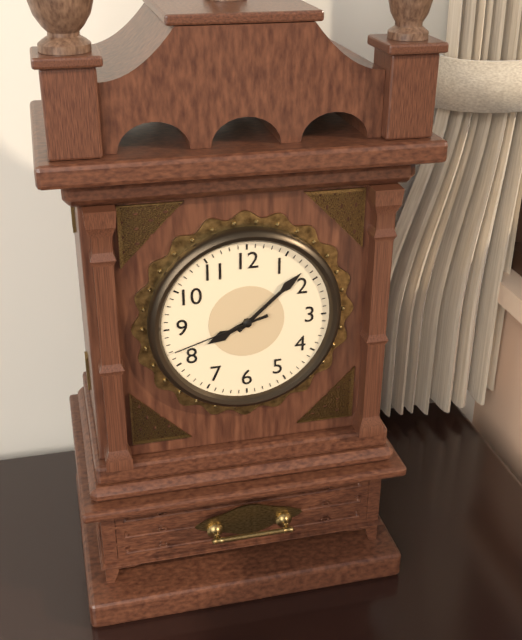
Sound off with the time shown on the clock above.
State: 8:08:42
